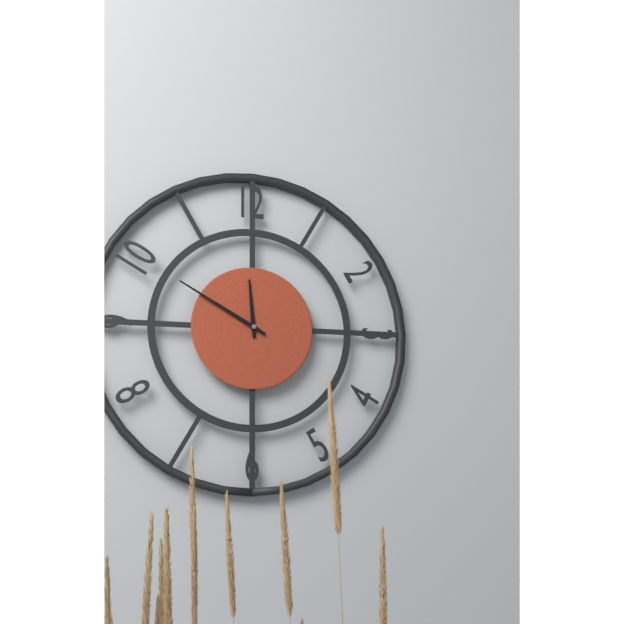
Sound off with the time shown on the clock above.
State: 11:50
